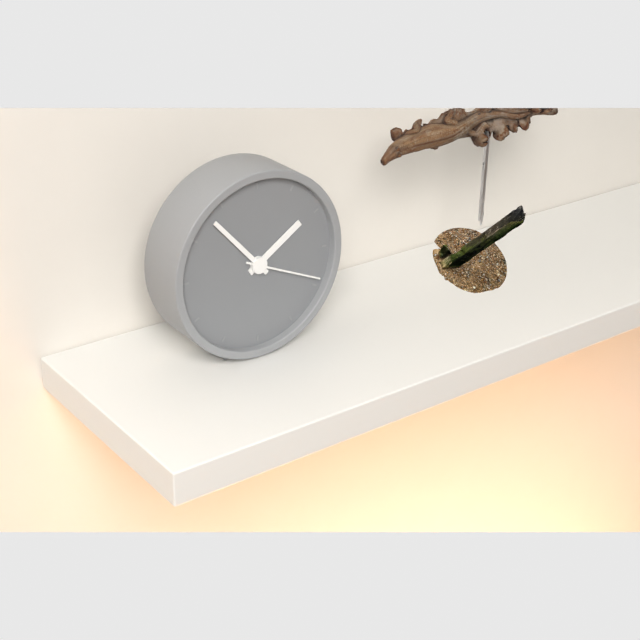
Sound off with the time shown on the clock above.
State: 1:53:19
